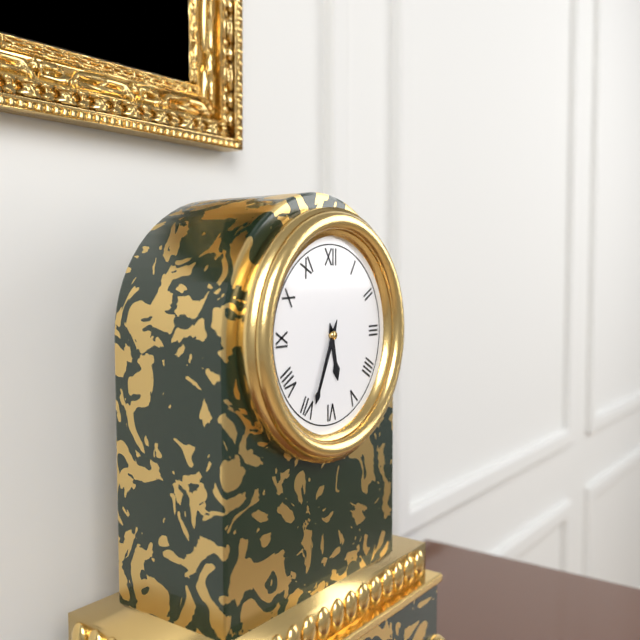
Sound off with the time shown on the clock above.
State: 5:34
